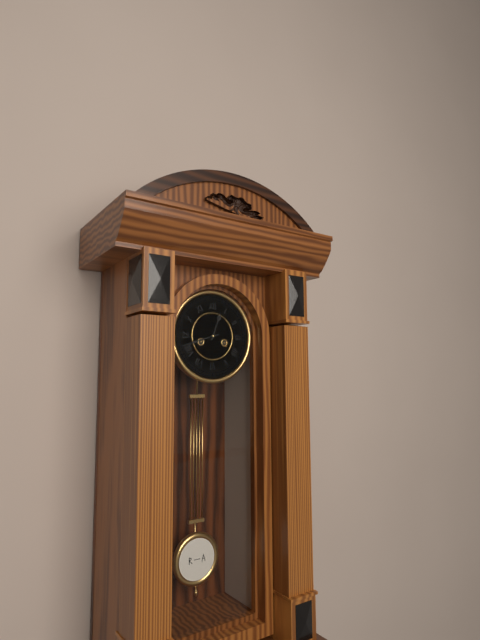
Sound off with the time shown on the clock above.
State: 12:42
